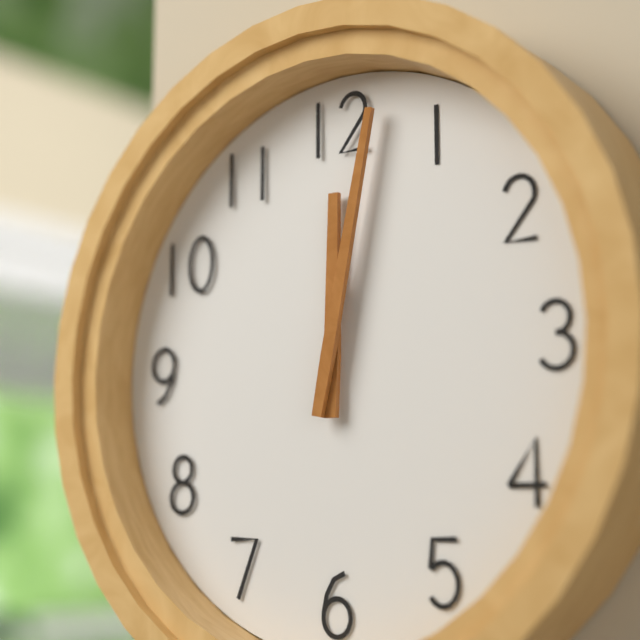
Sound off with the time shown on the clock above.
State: 12:02
